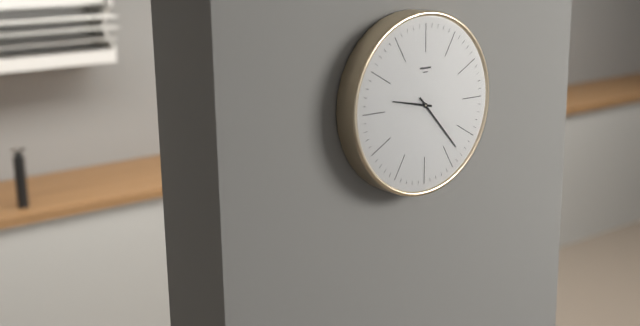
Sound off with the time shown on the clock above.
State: 9:23
